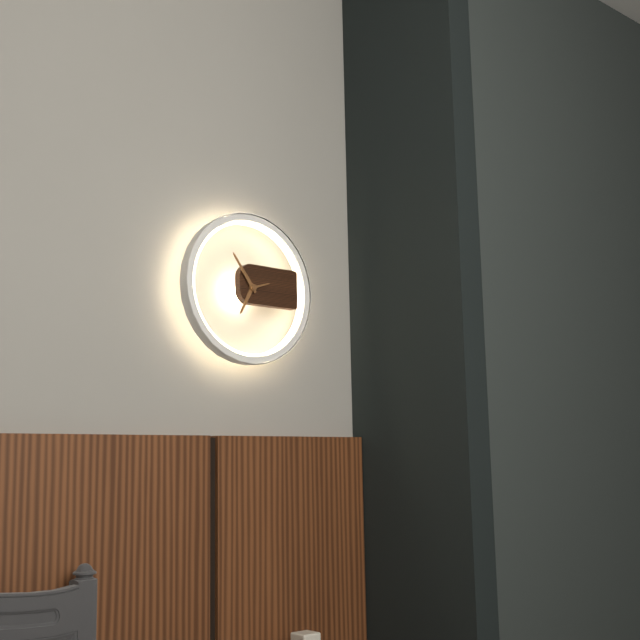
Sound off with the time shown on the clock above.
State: 6:54
